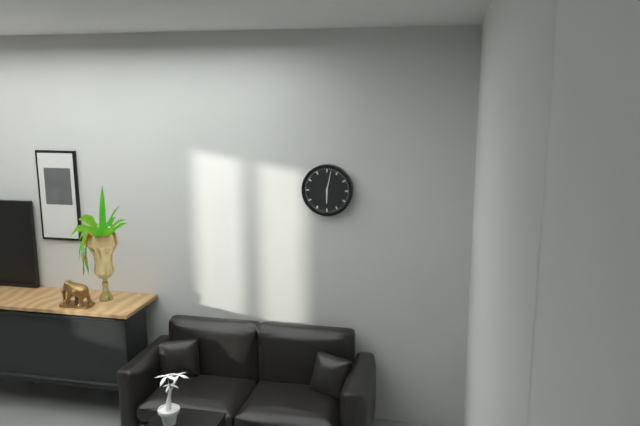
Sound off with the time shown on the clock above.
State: 6:02
